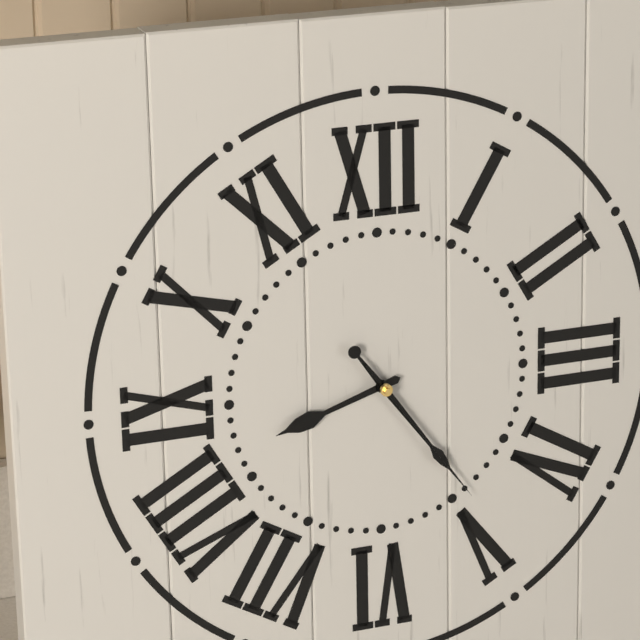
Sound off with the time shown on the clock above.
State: 8:24:24
